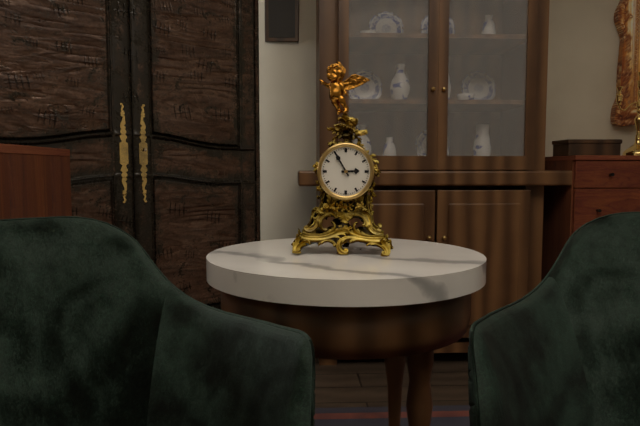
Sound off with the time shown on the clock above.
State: 2:55
